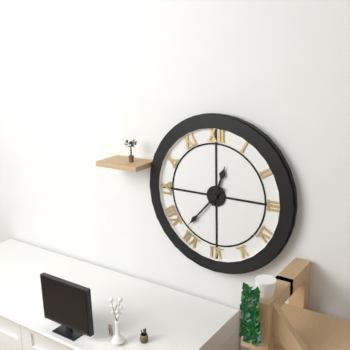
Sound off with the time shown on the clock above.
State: 12:37
